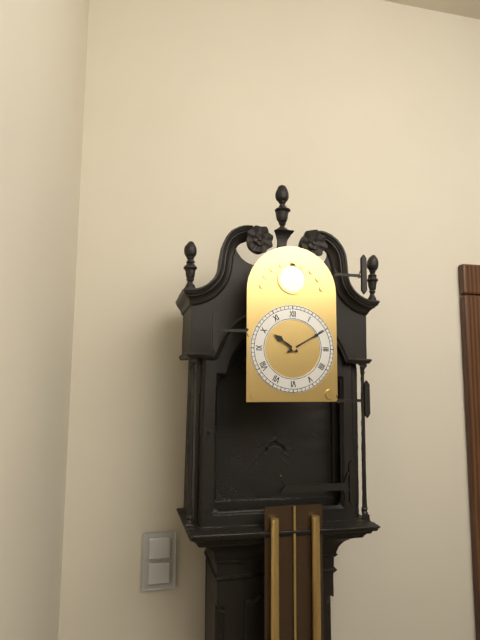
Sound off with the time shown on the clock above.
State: 10:10
